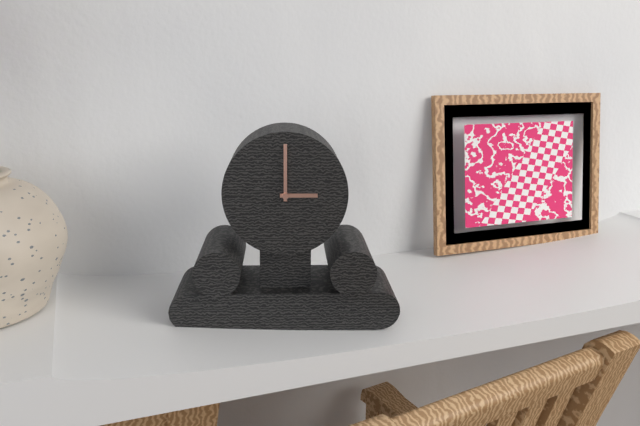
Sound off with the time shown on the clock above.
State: 3:00
